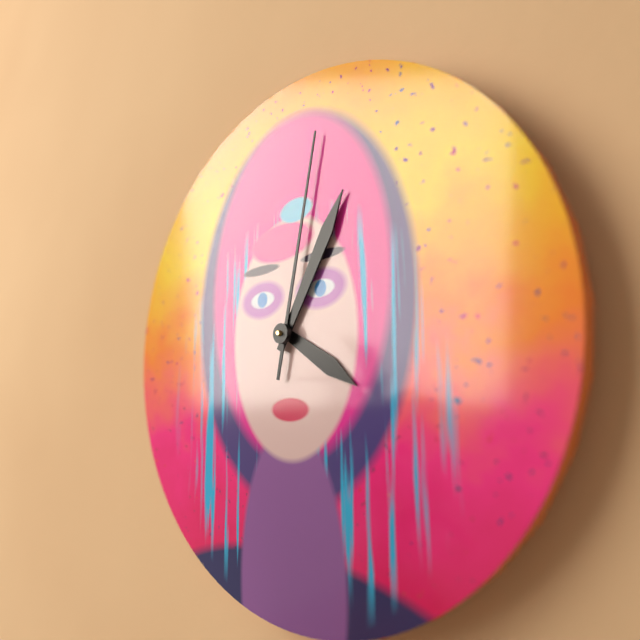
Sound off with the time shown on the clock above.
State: 4:05:02
